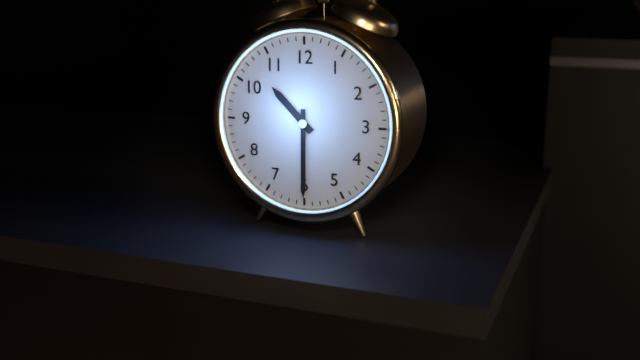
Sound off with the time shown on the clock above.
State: 10:30
